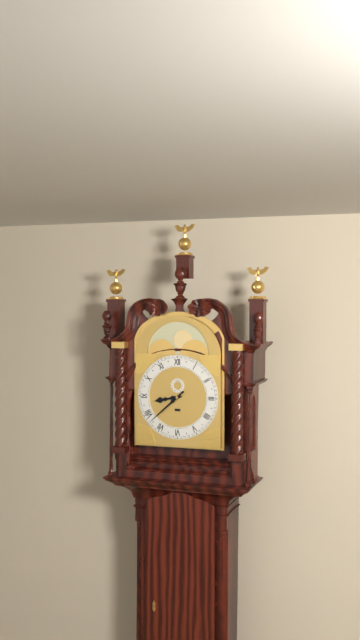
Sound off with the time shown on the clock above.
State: 8:38
